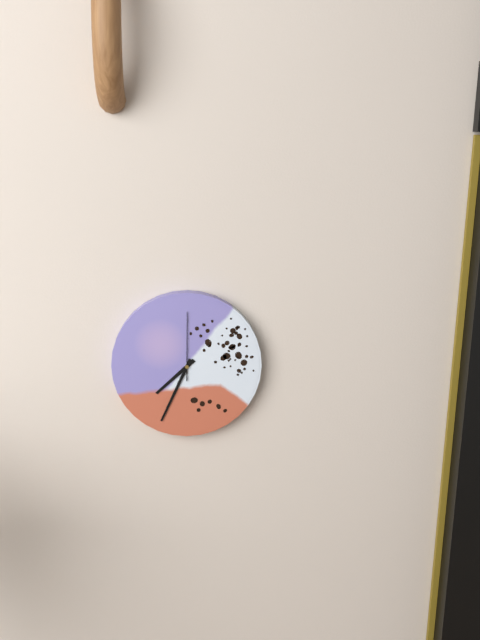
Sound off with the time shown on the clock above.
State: 7:34:00
